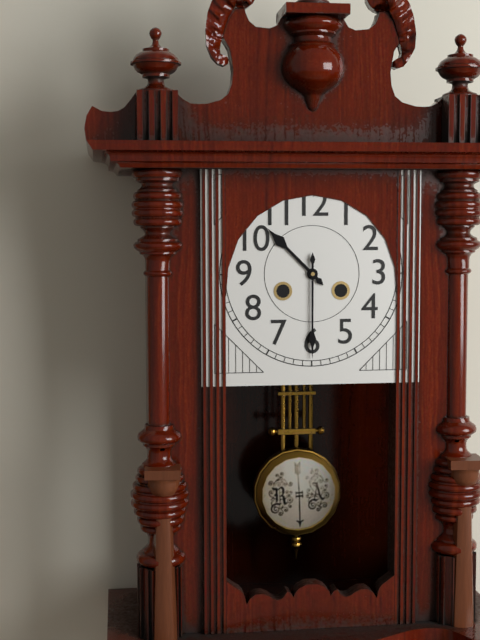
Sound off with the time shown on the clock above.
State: 10:30
